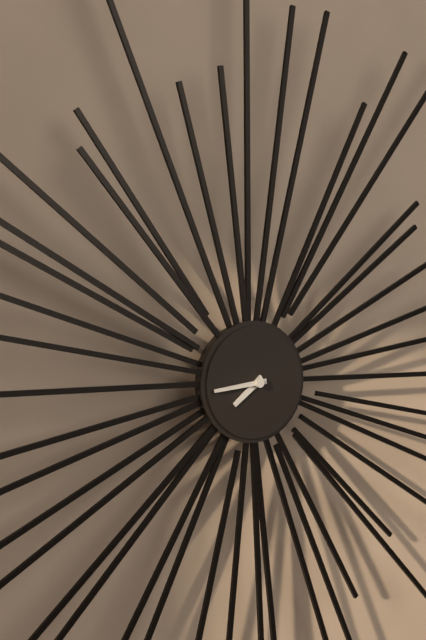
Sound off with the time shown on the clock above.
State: 7:44
